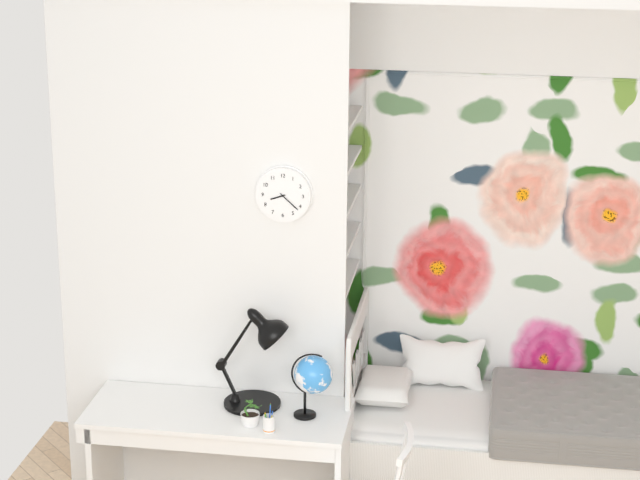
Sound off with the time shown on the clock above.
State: 8:22
